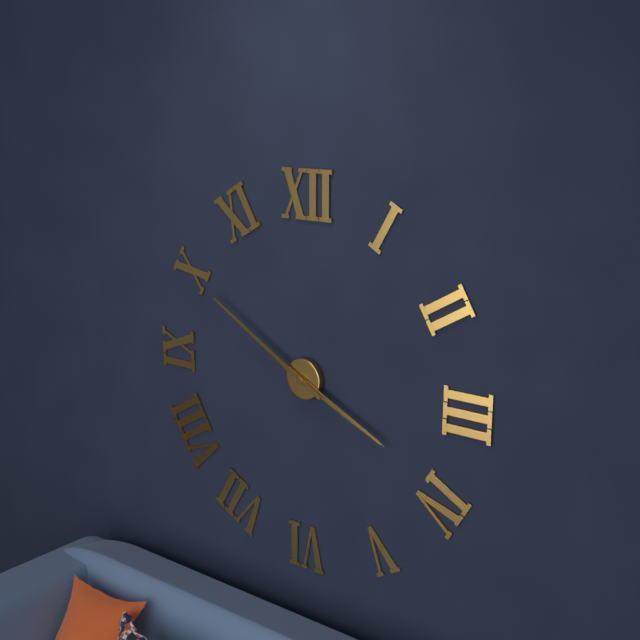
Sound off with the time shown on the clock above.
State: 3:50
